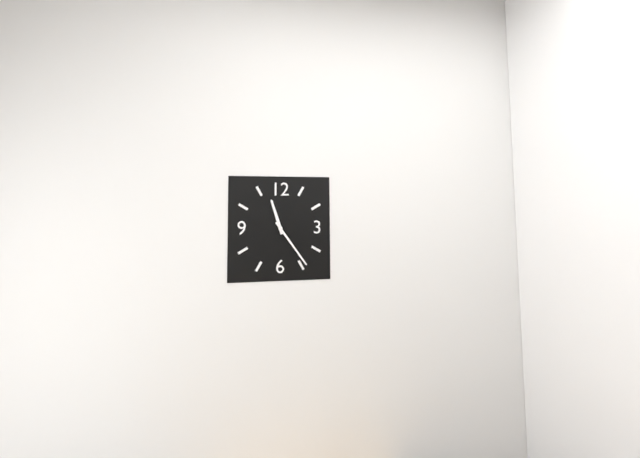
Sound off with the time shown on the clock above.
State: 11:24
